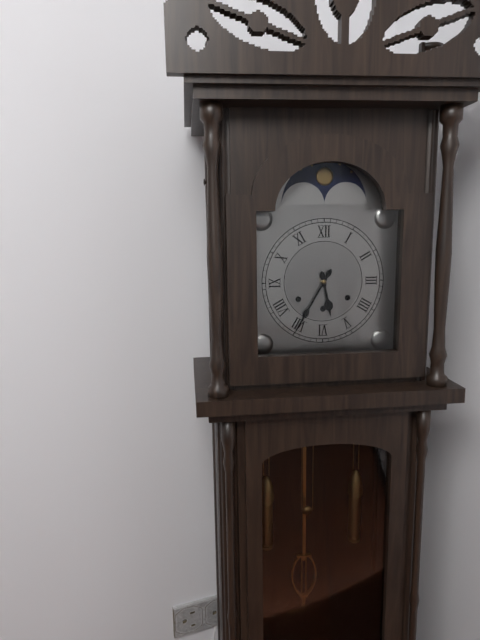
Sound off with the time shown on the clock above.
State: 5:35
